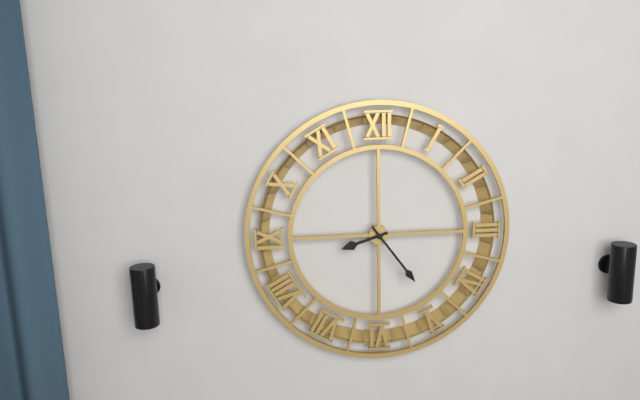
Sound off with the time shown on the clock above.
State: 8:24
